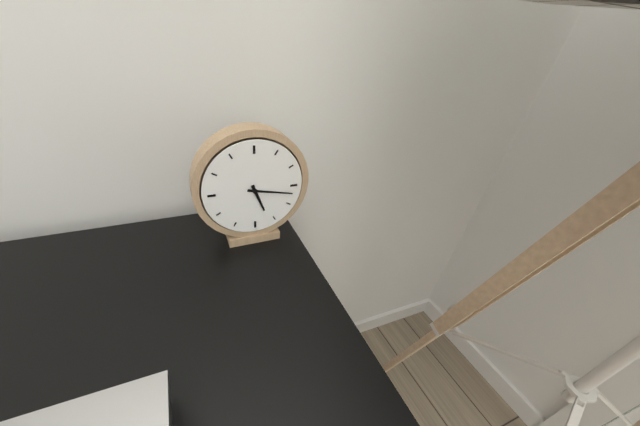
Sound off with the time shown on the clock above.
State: 5:17
